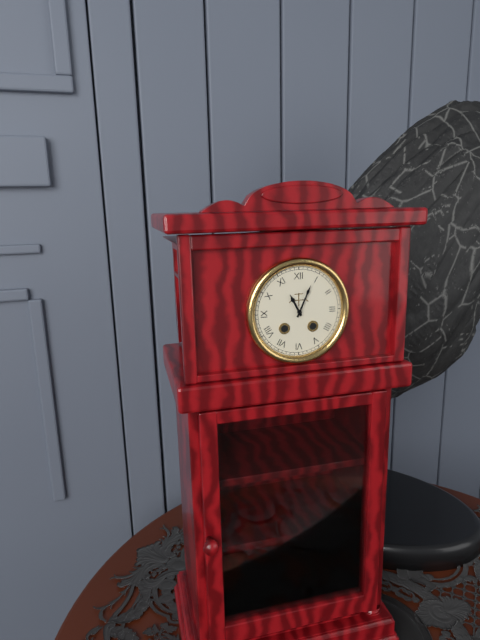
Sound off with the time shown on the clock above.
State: 11:04
